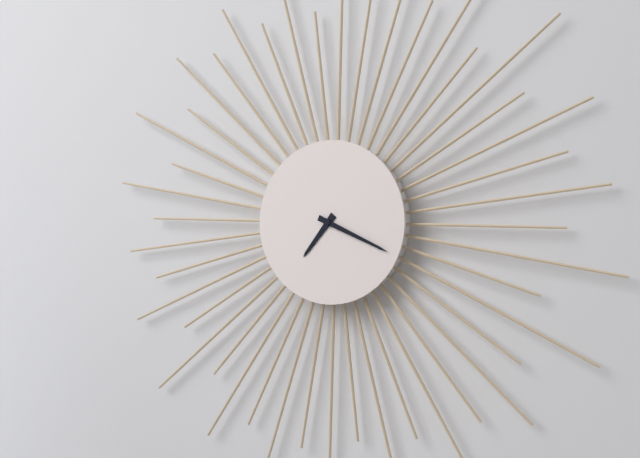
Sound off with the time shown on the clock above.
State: 7:19
